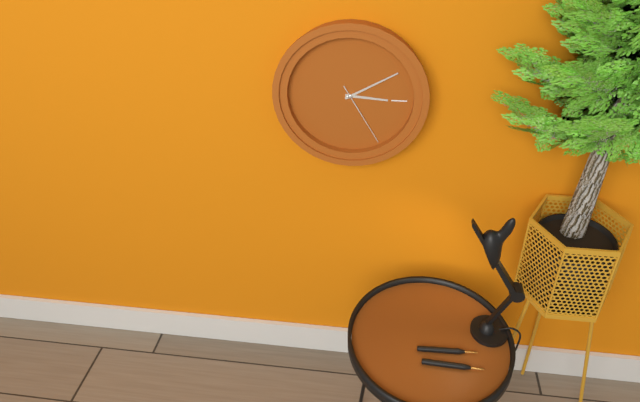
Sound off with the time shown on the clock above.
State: 3:10:25
